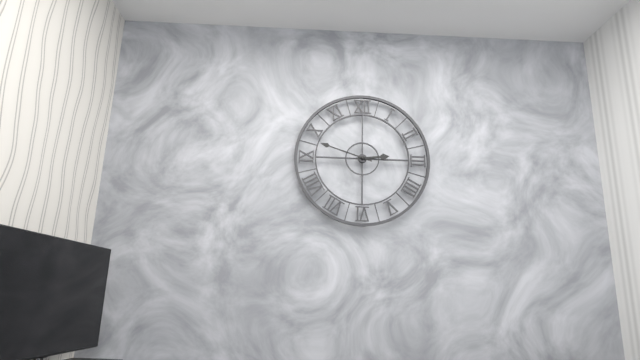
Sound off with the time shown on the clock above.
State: 2:48
